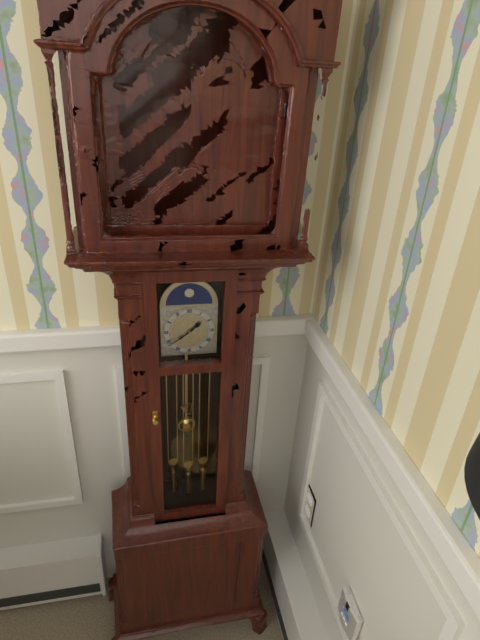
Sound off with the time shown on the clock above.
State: 1:39
